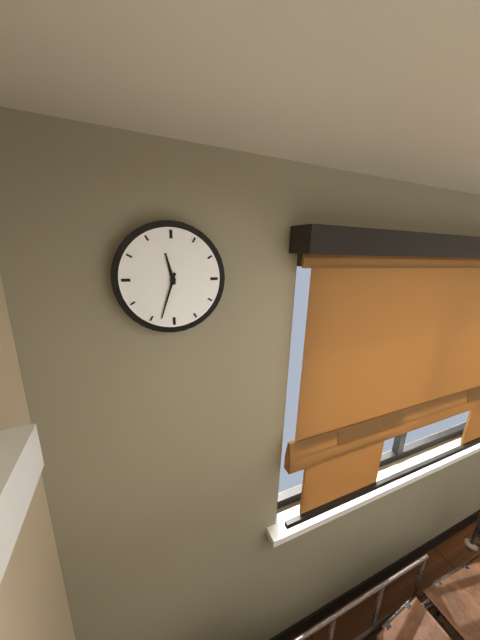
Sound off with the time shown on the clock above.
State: 11:33
